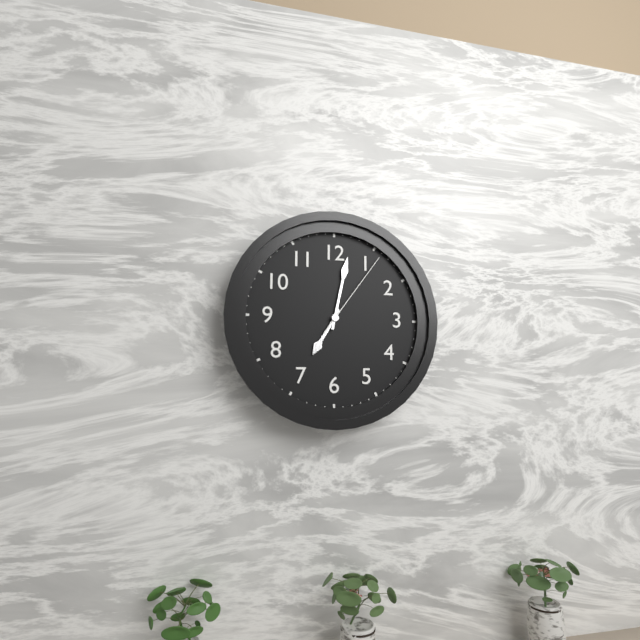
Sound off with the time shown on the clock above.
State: 7:02:06
